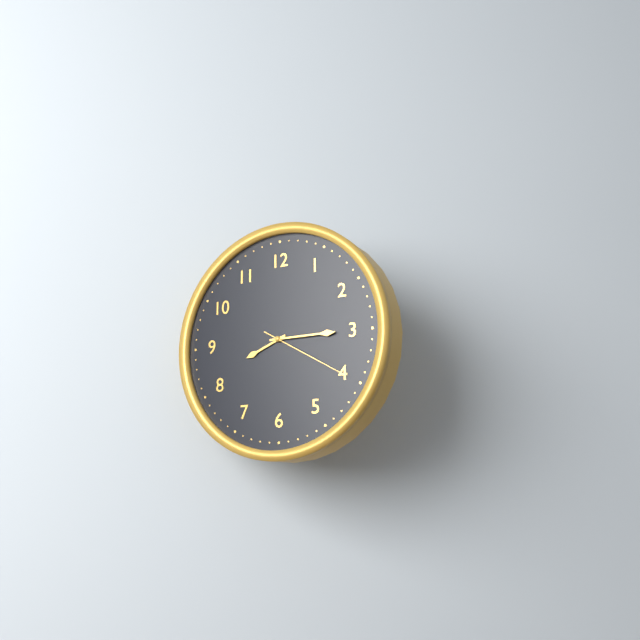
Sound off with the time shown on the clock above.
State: 8:15:20
